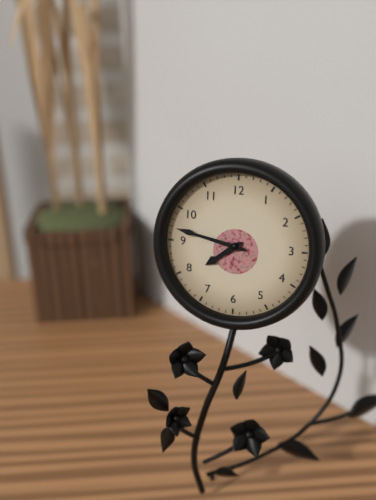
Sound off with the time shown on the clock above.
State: 7:47
